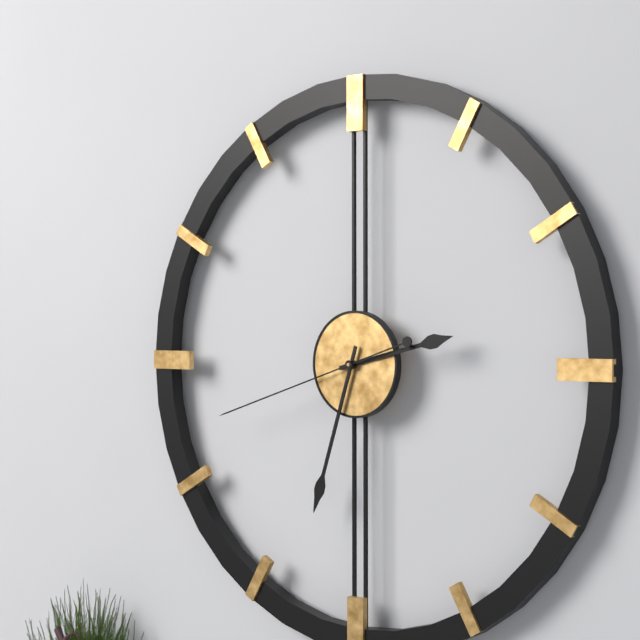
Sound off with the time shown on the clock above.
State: 2:33:42
